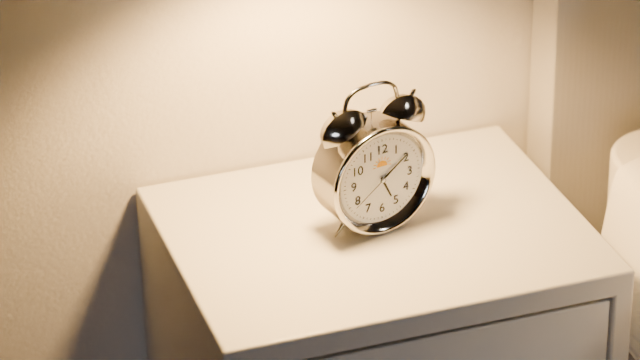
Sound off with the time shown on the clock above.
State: 5:09
